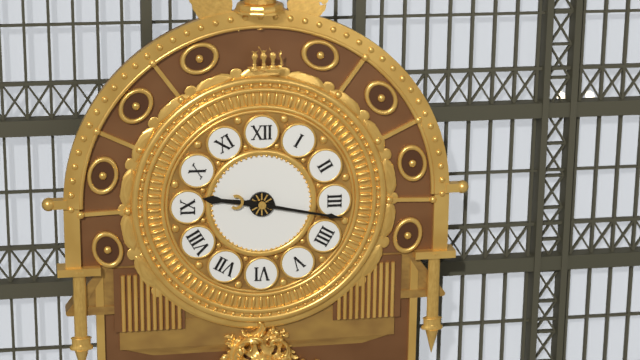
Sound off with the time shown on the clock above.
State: 9:17
